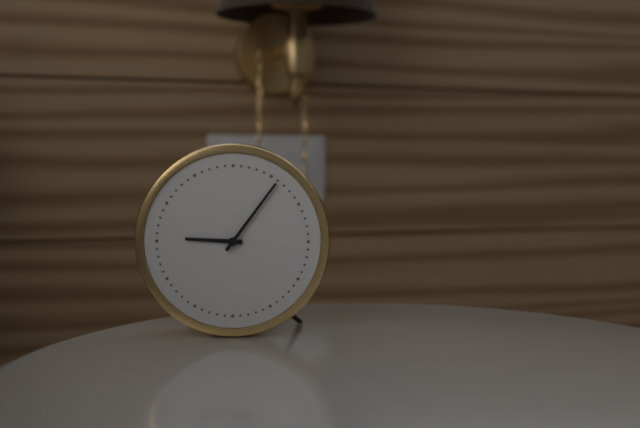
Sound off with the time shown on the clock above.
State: 9:06
